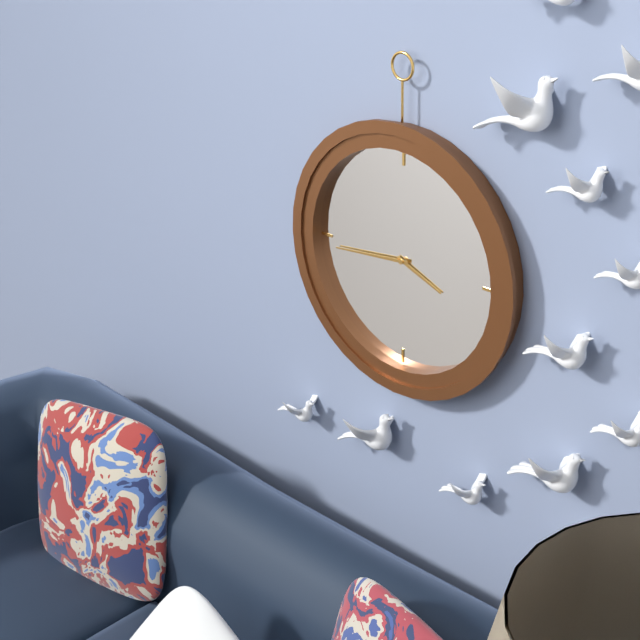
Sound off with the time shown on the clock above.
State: 3:44
